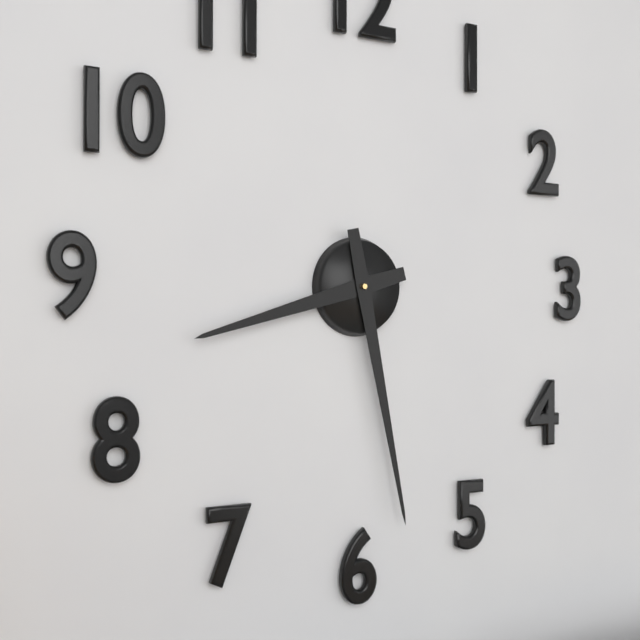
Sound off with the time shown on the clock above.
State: 8:28
